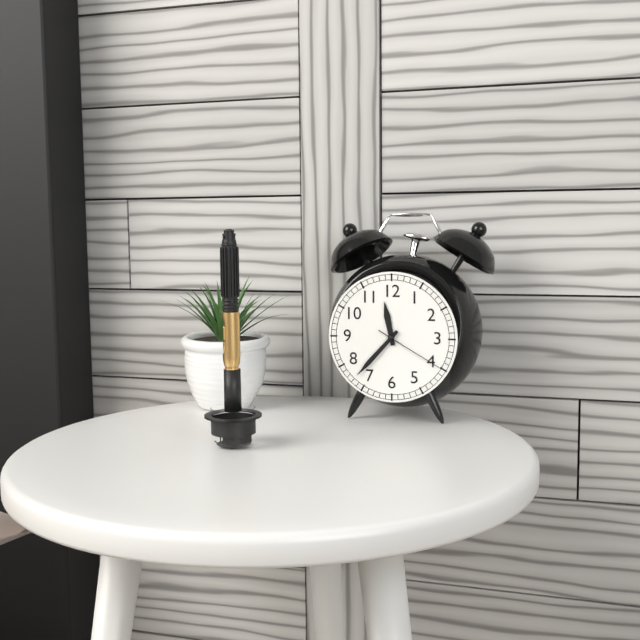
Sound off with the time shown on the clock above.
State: 11:37:20
